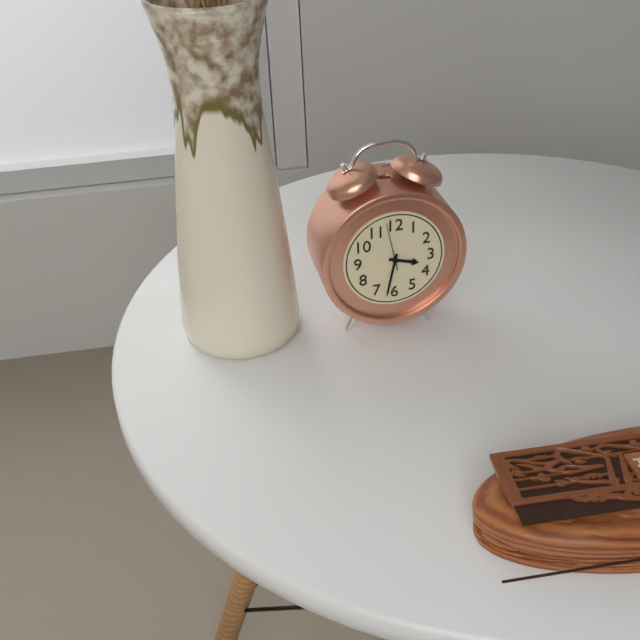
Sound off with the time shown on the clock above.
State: 3:32
